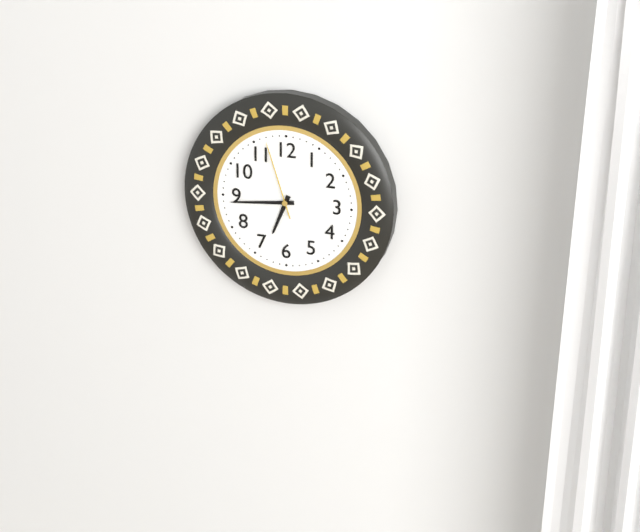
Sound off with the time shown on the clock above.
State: 6:44:57
